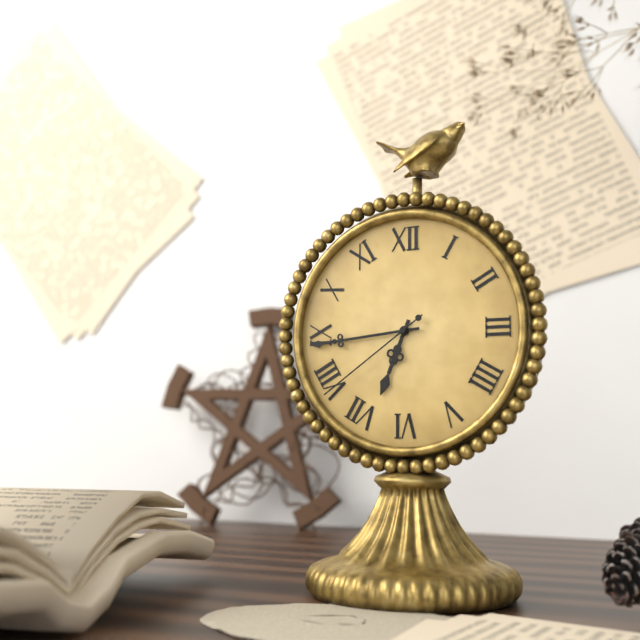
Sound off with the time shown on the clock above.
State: 6:44:39
